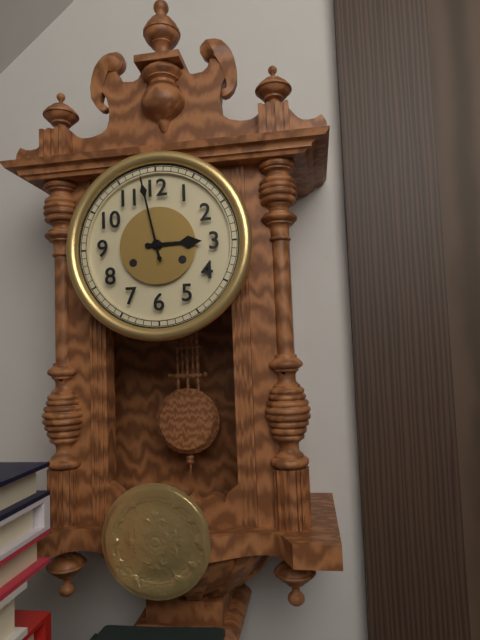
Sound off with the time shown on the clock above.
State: 2:58
